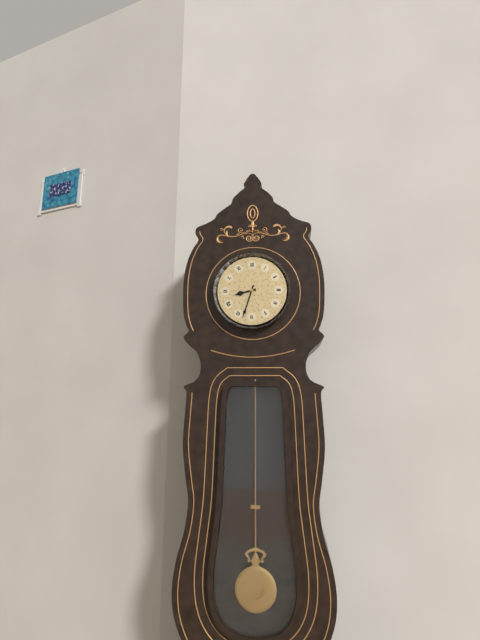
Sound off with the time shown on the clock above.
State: 8:33
